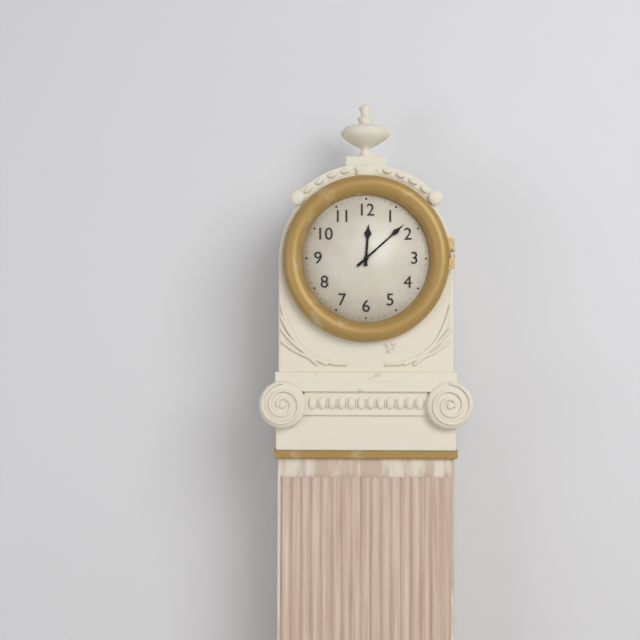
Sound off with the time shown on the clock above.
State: 12:08
